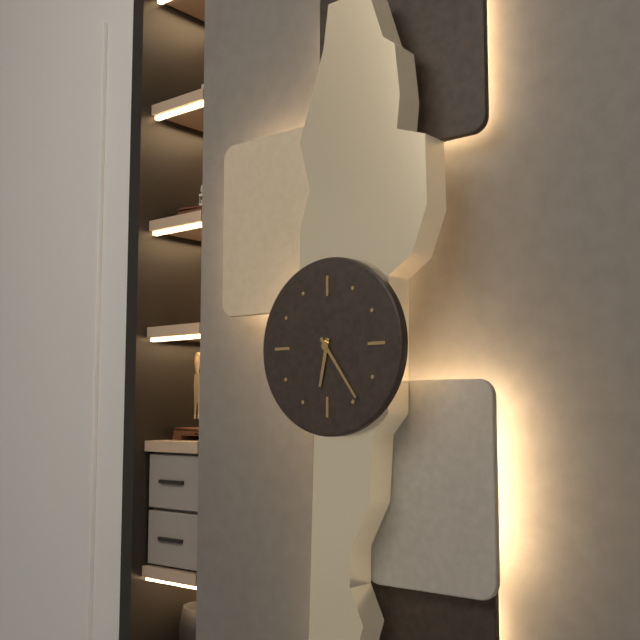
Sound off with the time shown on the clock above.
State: 6:24
